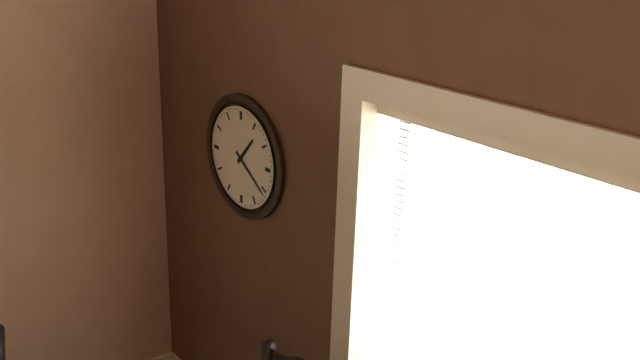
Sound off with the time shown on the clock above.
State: 1:21
